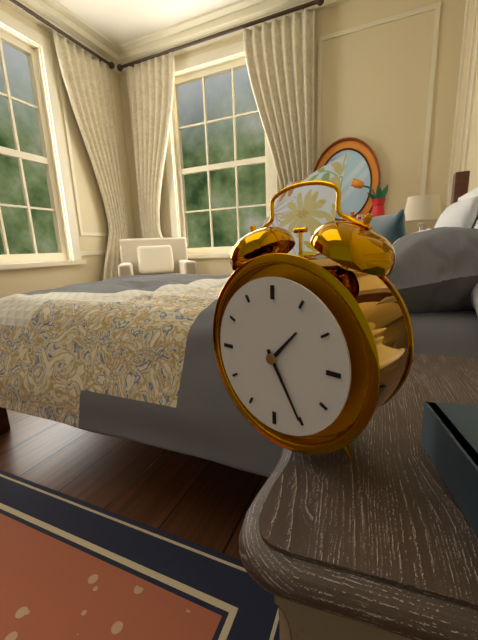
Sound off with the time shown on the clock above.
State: 1:25
